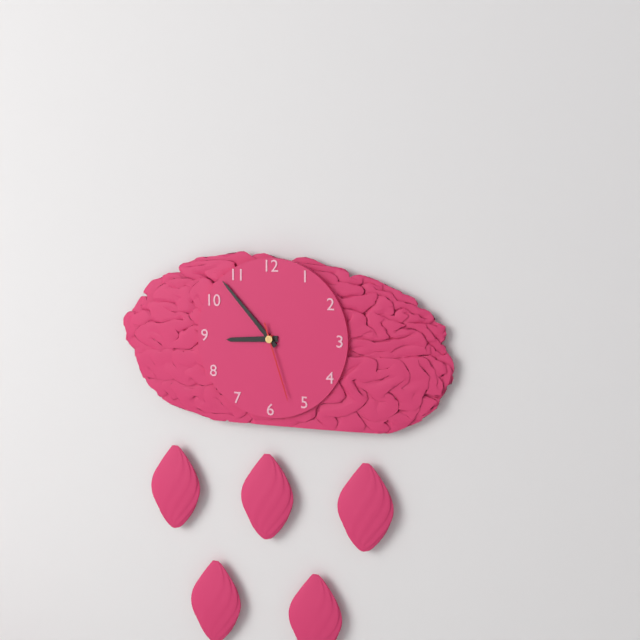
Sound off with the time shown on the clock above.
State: 8:53:27
